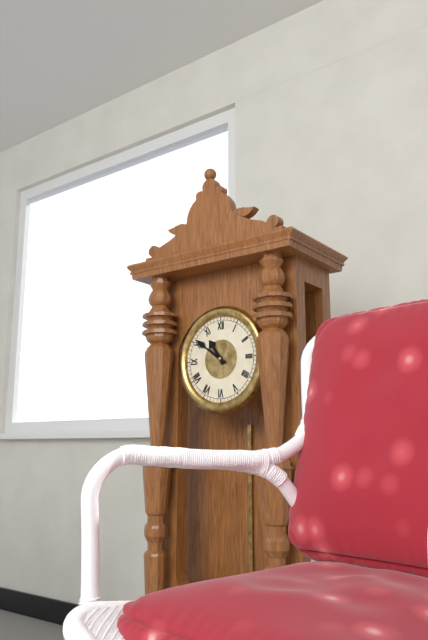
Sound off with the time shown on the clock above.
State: 10:51
